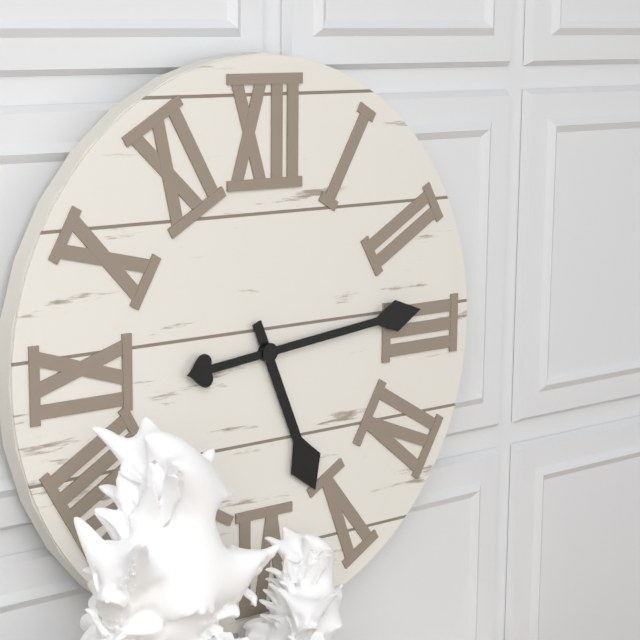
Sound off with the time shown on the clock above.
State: 5:14
